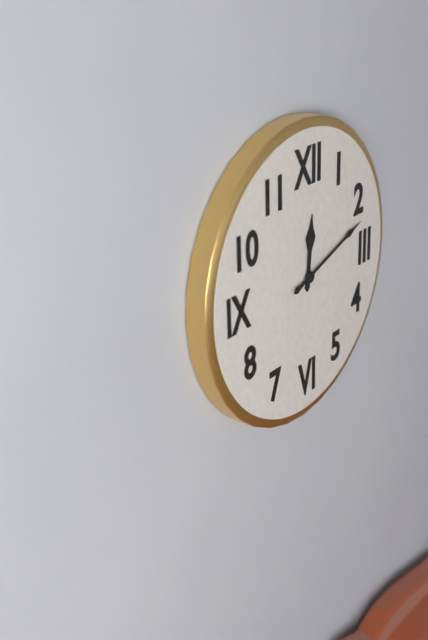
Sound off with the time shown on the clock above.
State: 12:12
